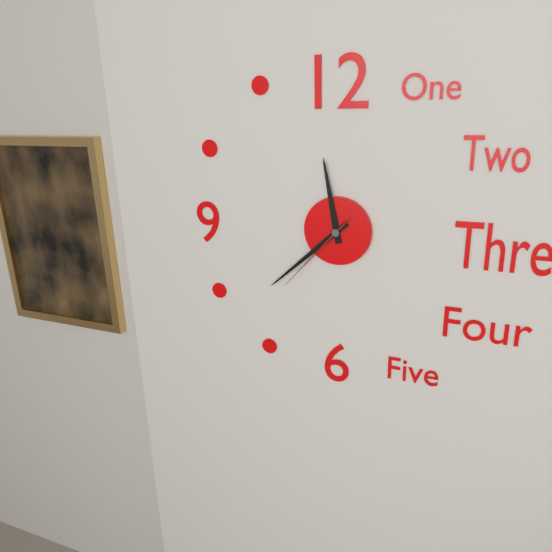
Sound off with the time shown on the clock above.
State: 11:38:37
